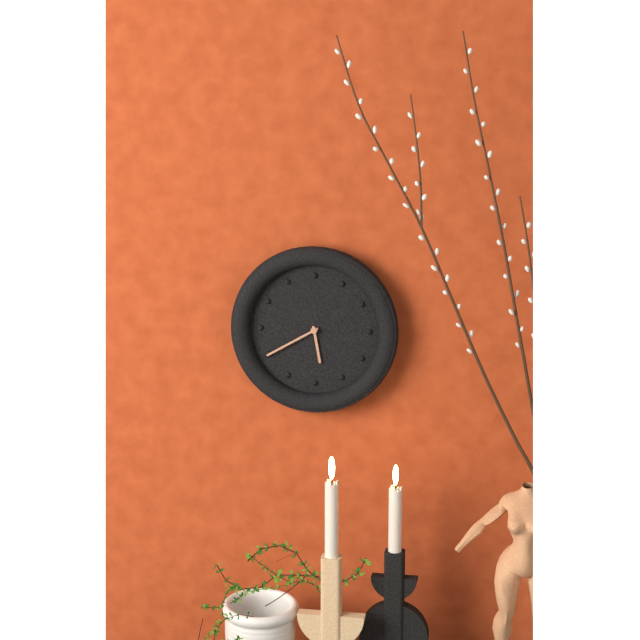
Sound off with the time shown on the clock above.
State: 5:40
